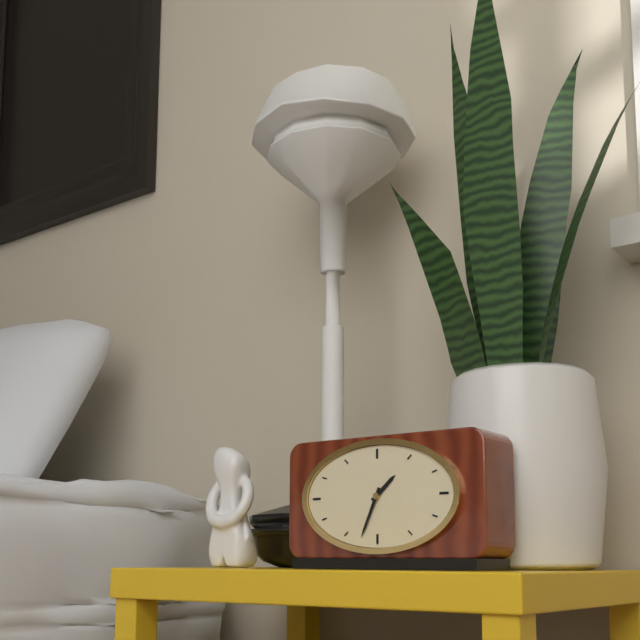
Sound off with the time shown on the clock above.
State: 1:34
